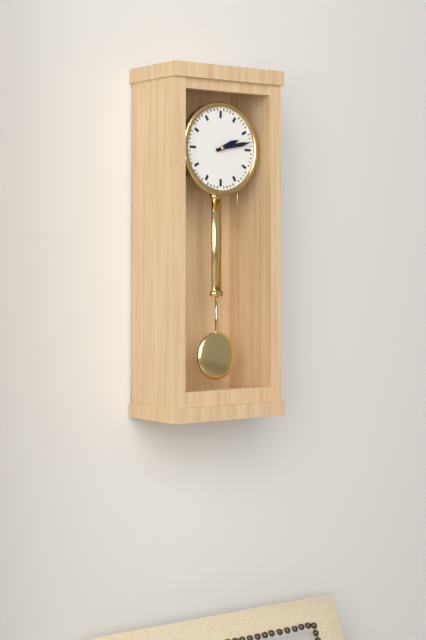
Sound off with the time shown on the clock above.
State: 2:13
